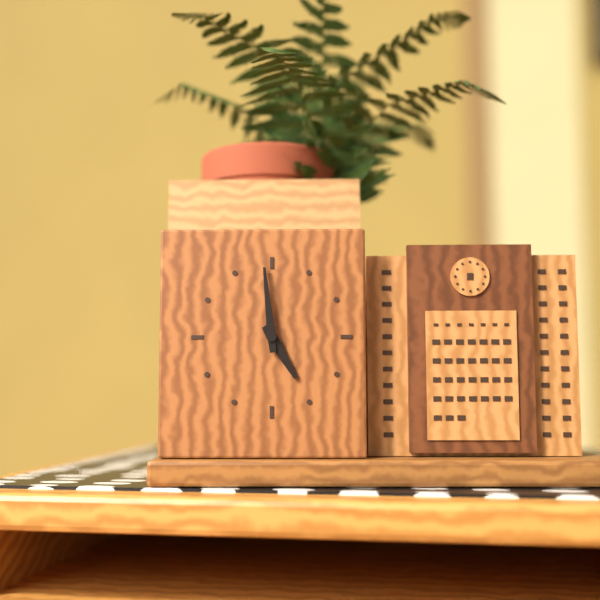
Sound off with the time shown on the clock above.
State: 4:59
